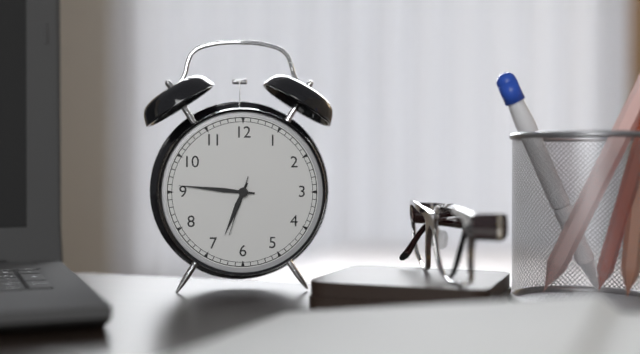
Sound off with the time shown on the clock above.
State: 6:46:33
